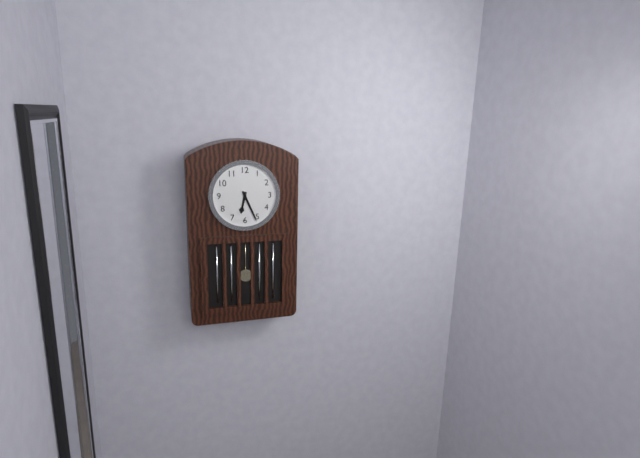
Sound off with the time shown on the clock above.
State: 6:26
